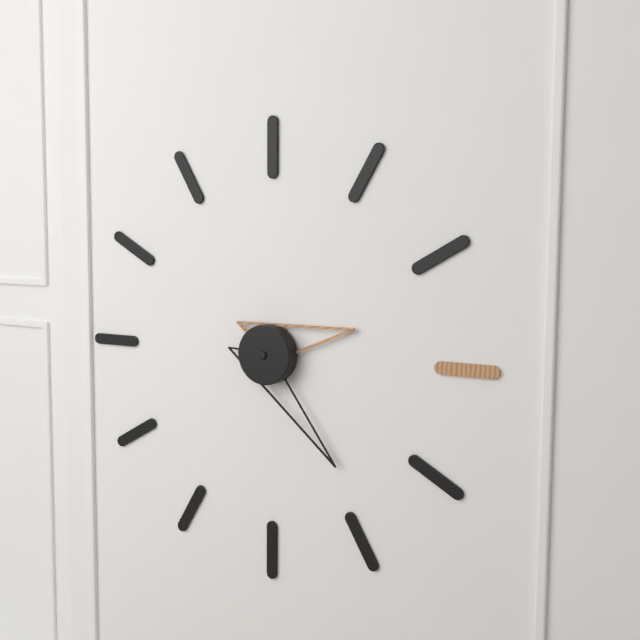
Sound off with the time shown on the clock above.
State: 2:24
